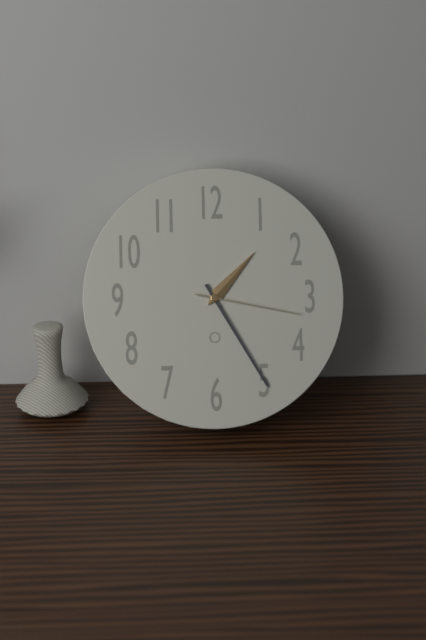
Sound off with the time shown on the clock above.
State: 1:25:17
